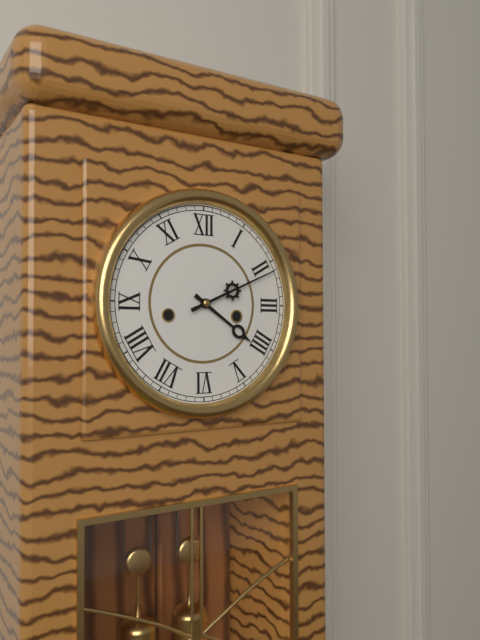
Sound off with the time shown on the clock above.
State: 4:11
